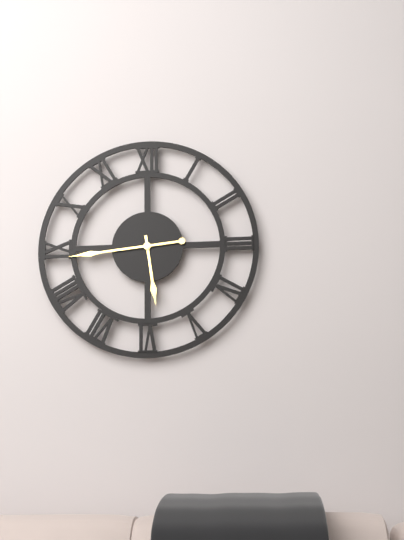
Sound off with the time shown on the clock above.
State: 5:44
